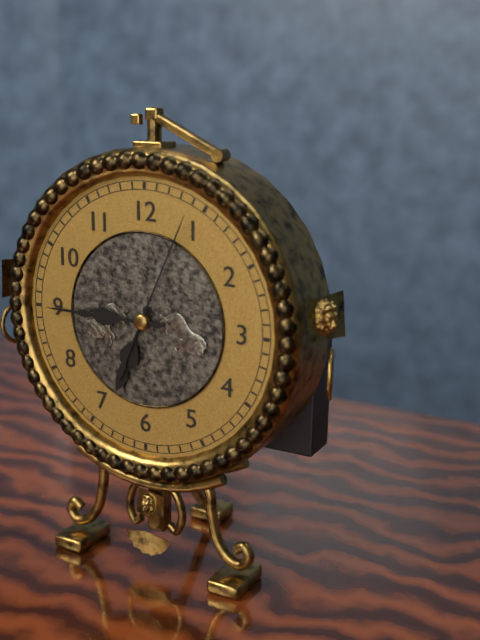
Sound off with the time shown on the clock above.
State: 6:45:04
